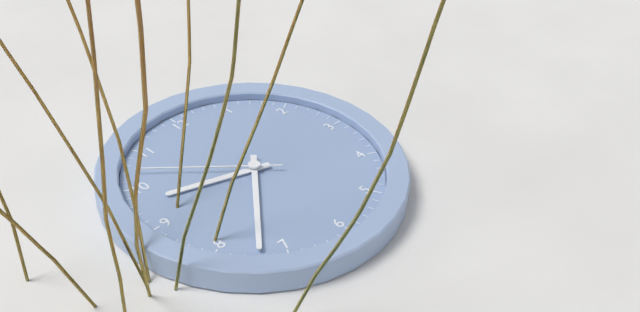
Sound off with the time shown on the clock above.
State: 9:37:52
